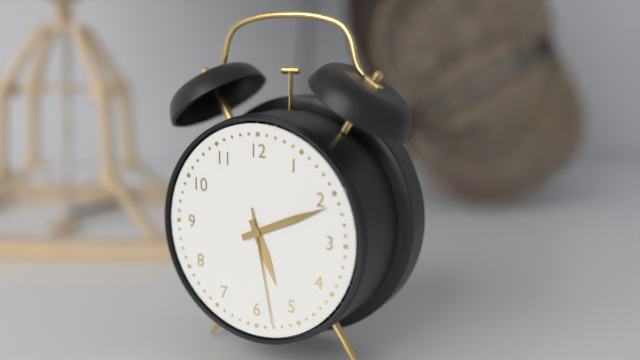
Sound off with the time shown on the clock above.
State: 5:11:28
